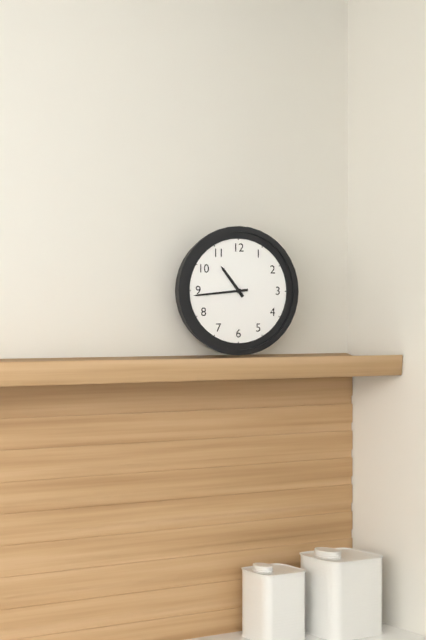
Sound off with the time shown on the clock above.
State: 10:44
